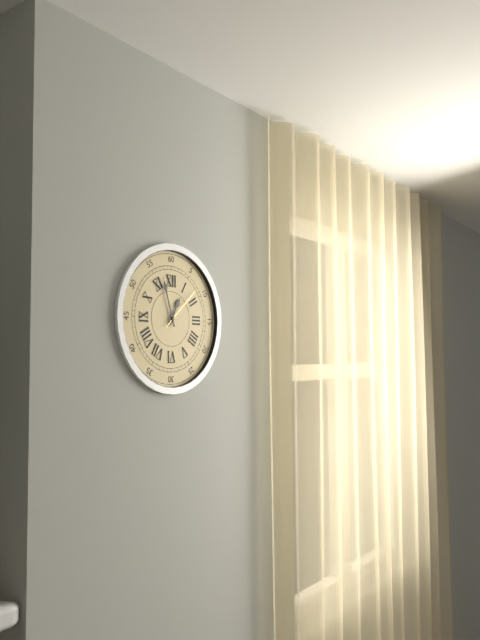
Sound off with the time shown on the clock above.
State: 12:57
